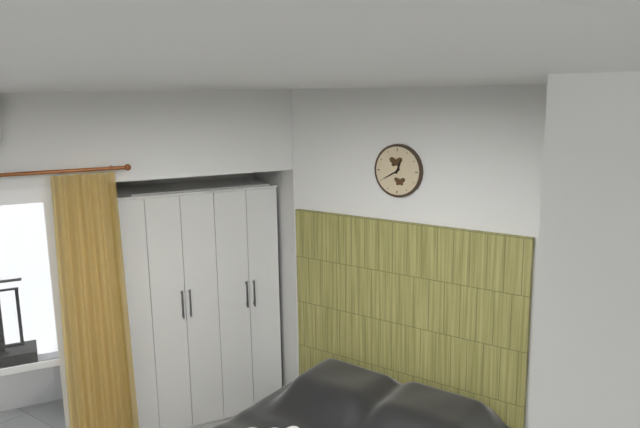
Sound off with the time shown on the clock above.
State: 12:40
